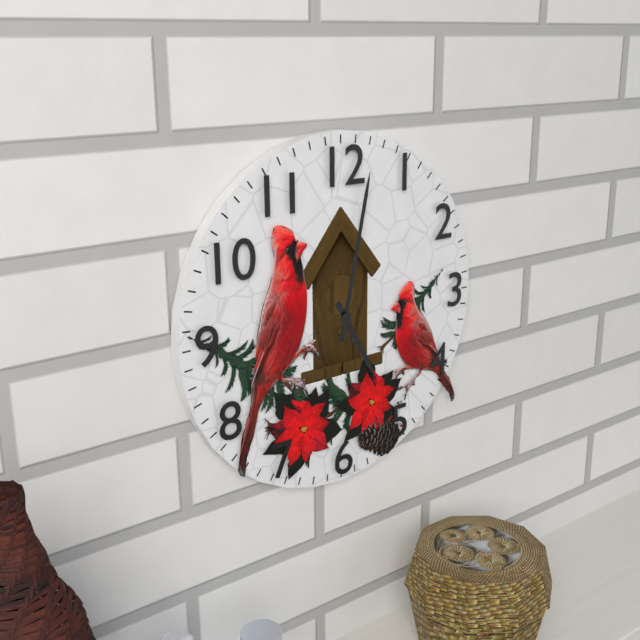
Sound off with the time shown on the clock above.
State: 5:02
